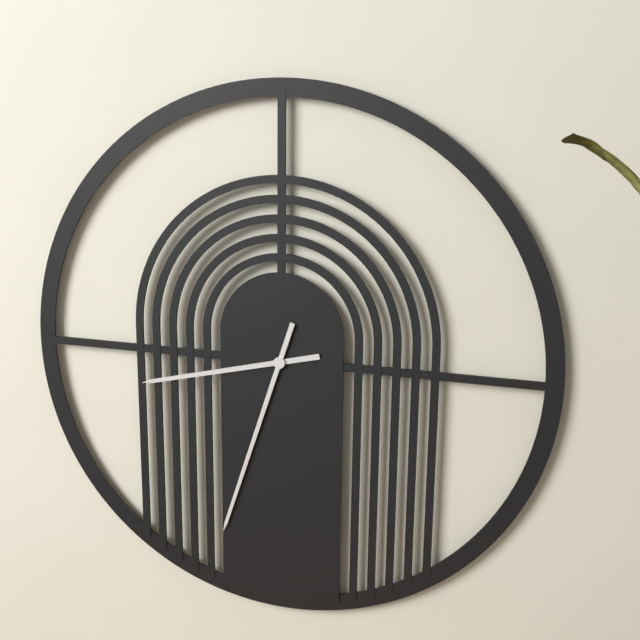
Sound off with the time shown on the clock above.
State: 8:33
